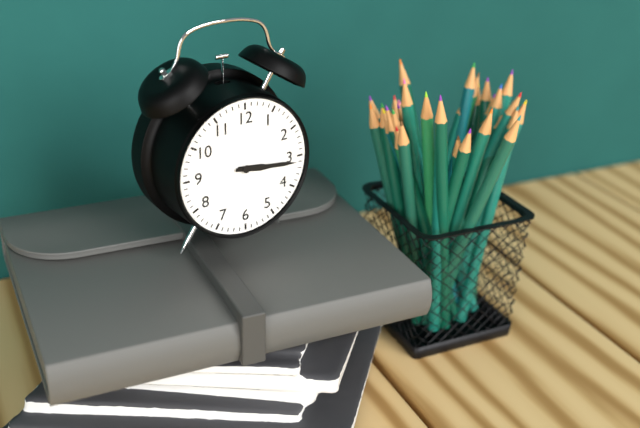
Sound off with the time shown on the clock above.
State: 3:16
